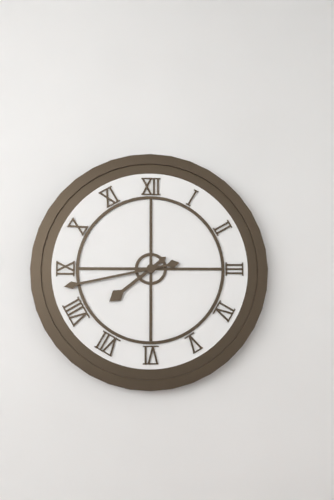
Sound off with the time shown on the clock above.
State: 7:43
